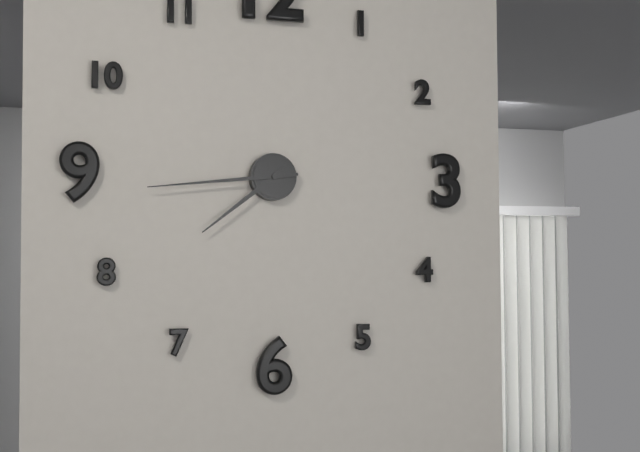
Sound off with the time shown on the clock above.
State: 7:44
